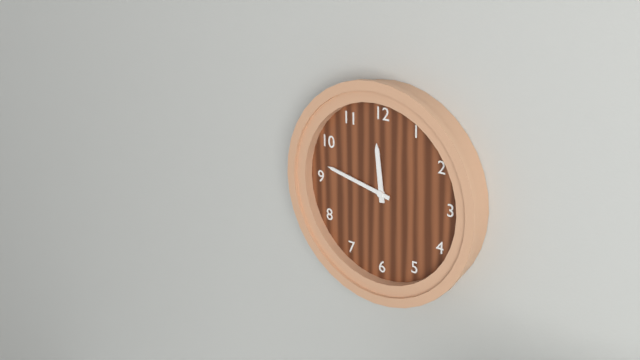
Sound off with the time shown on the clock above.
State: 11:47
